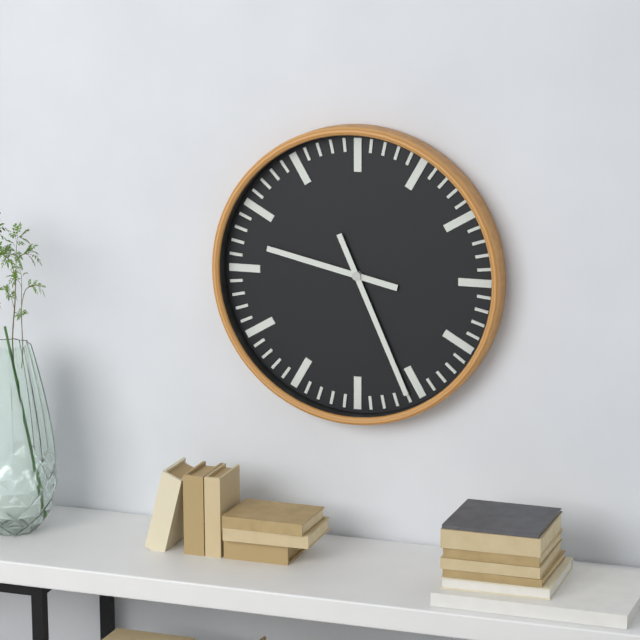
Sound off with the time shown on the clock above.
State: 9:26
